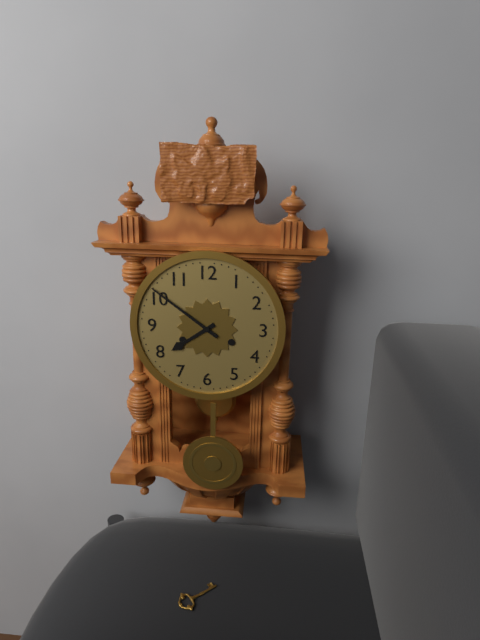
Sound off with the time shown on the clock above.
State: 7:51
